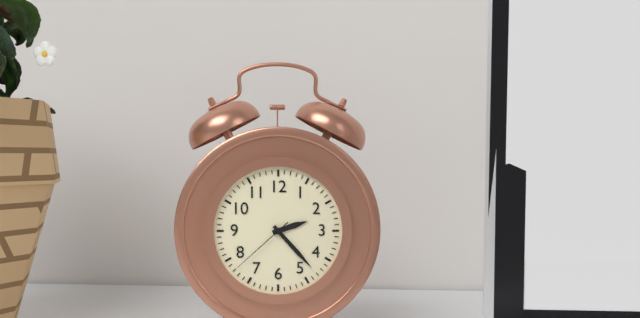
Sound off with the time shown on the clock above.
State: 2:23:38
